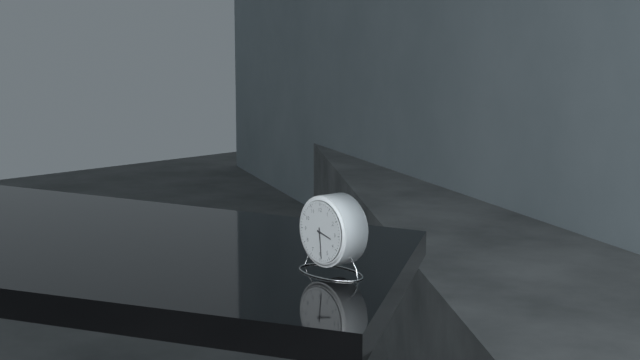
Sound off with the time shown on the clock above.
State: 3:29
